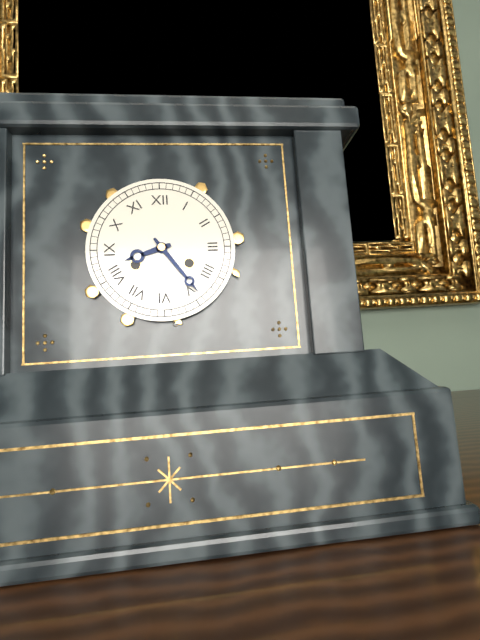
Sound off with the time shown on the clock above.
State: 8:24
